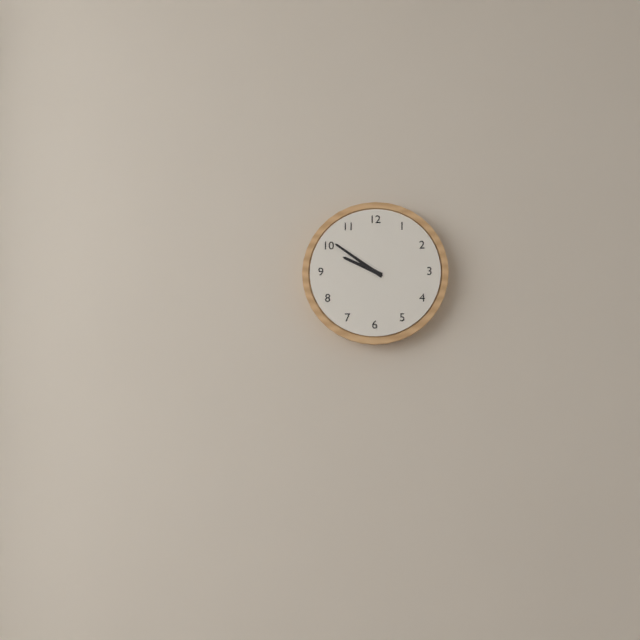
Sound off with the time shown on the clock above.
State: 9:51
